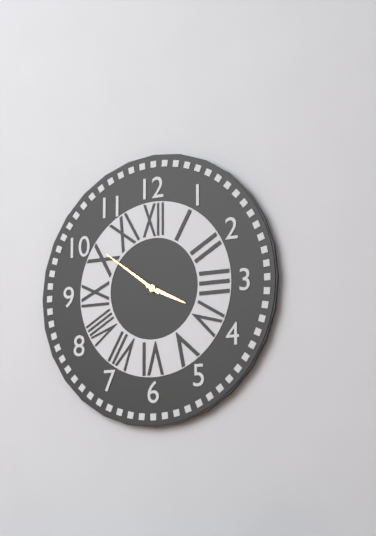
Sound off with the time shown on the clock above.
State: 3:51
